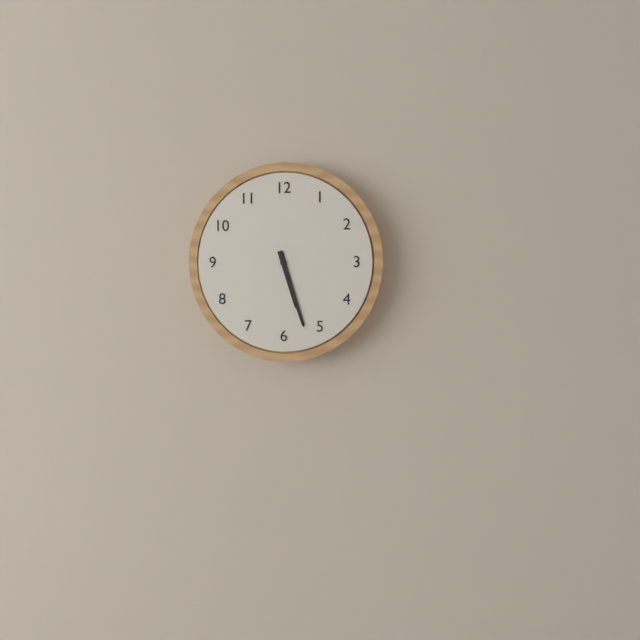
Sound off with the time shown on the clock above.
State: 5:27
